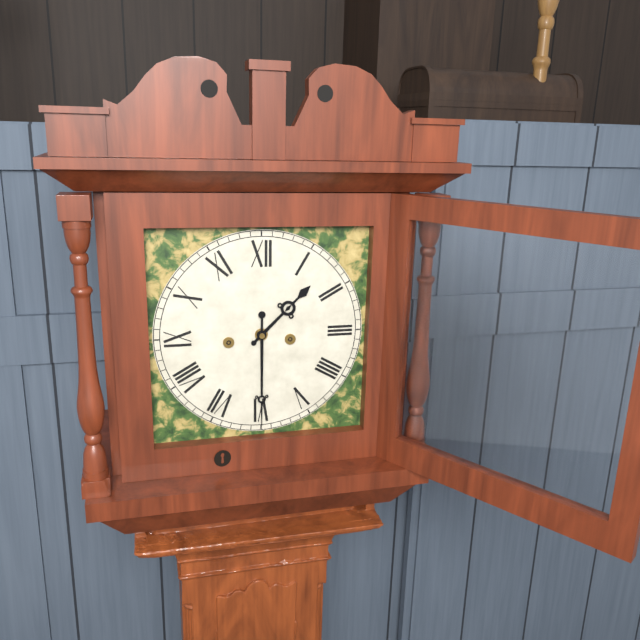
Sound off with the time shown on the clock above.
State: 1:30
